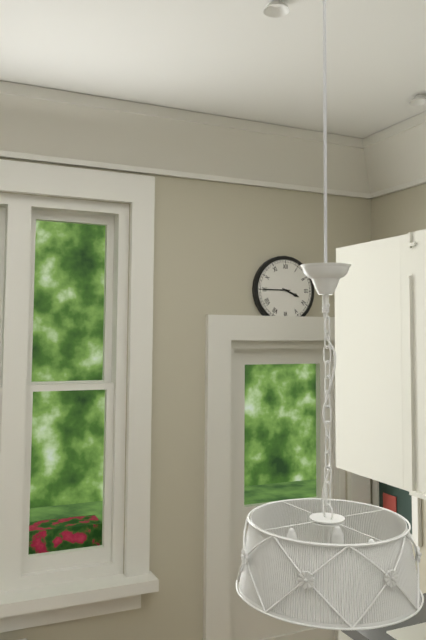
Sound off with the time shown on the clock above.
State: 3:45
